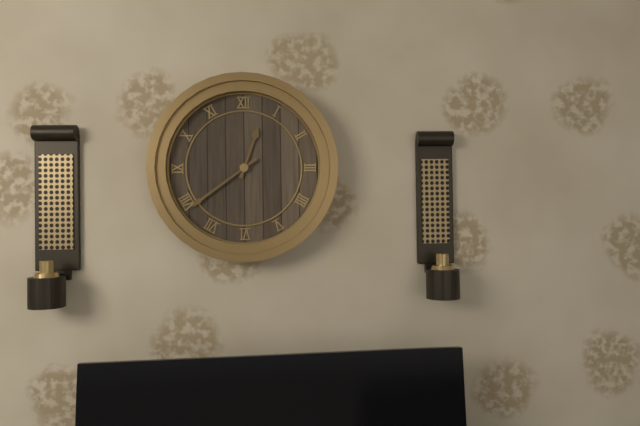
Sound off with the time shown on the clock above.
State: 12:39
